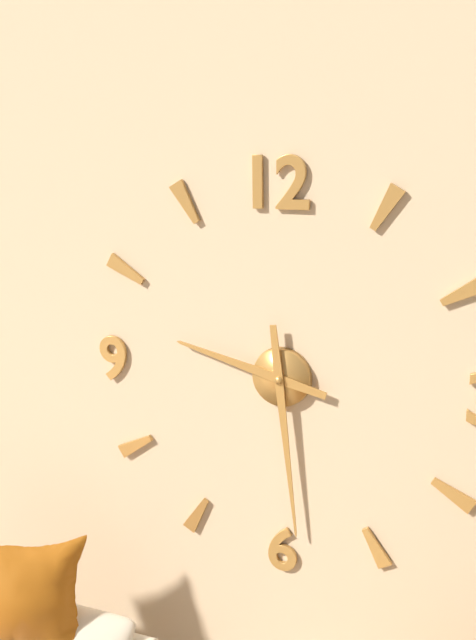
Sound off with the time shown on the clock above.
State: 9:29
